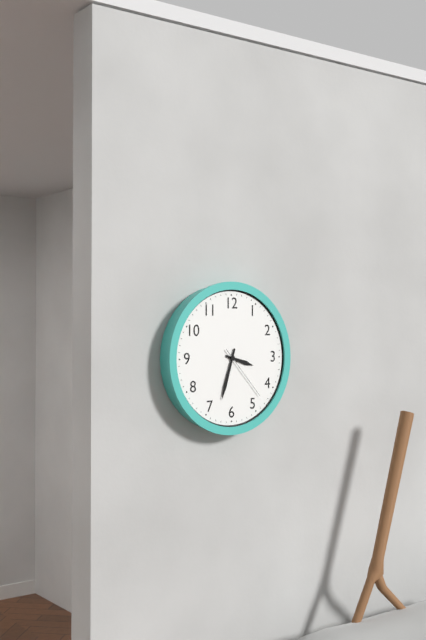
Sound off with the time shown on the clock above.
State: 3:33:23
